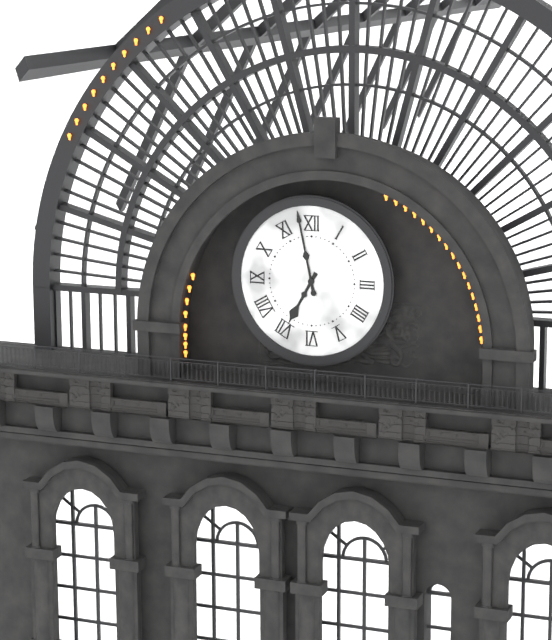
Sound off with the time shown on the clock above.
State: 6:58
